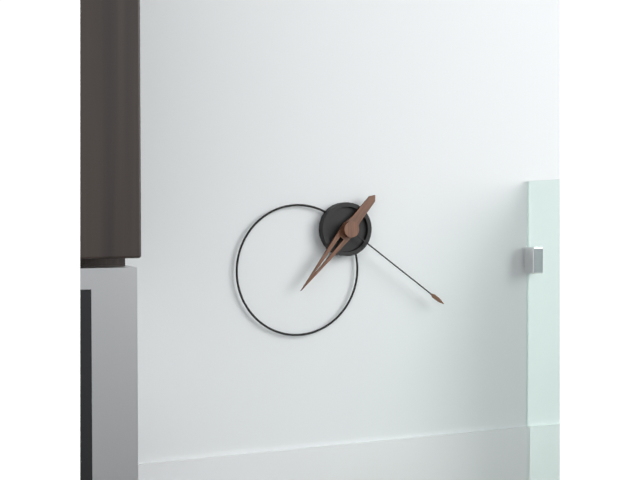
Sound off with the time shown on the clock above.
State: 7:21
